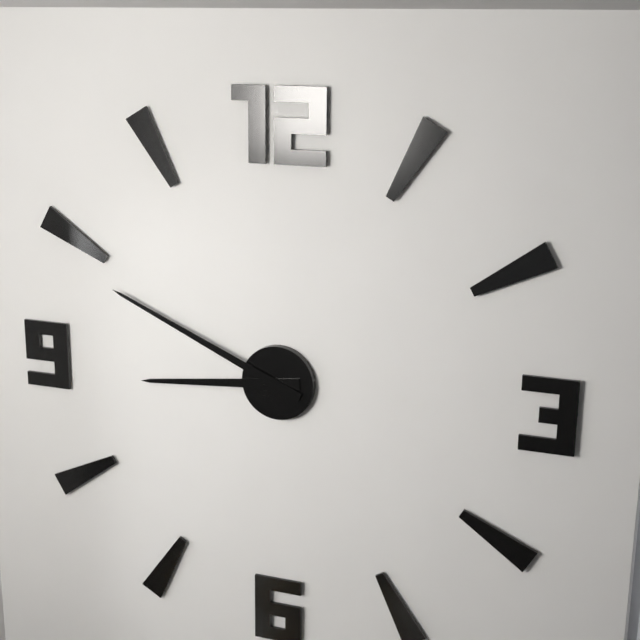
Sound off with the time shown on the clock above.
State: 8:49
